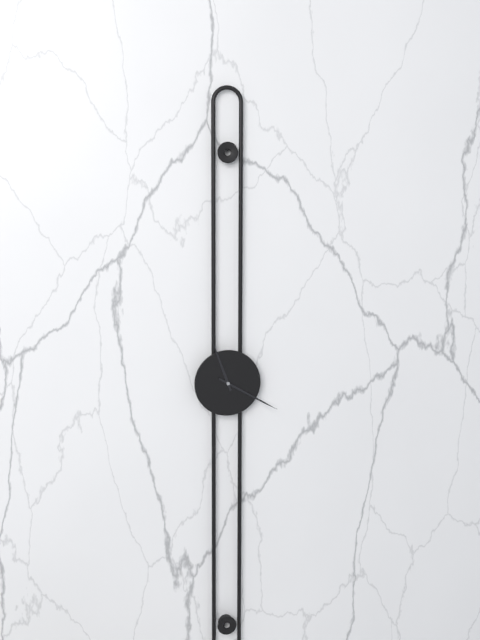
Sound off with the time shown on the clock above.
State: 11:20
